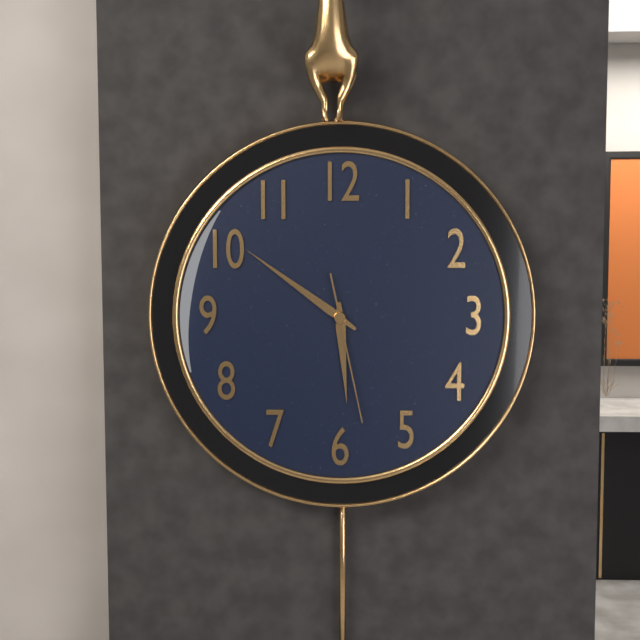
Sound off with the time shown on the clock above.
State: 5:51:28
